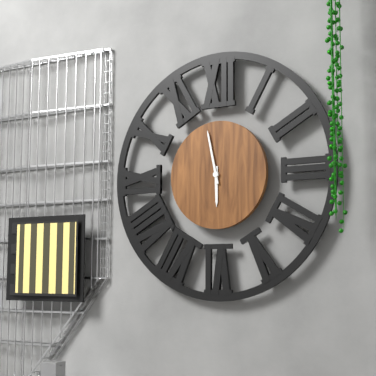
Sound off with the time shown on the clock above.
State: 5:58
